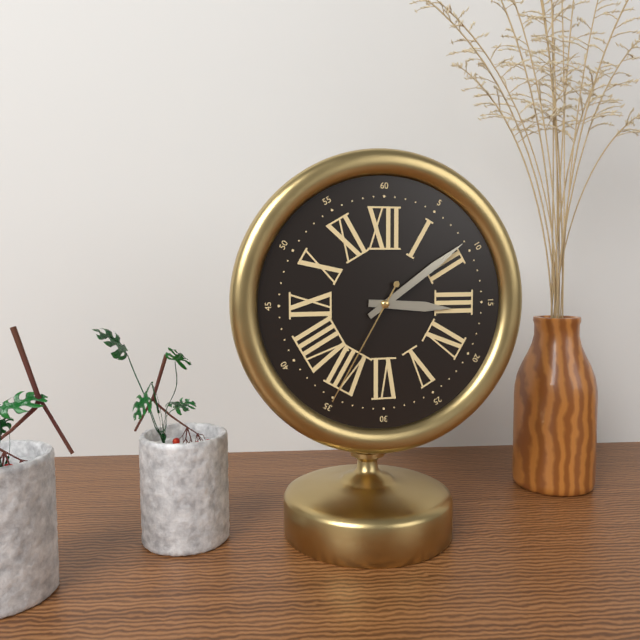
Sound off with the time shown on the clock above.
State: 3:09:35
